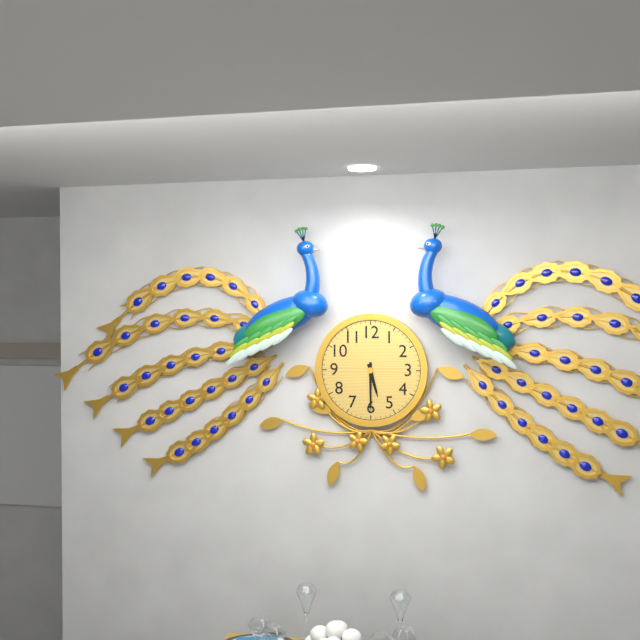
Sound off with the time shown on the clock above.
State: 5:30
